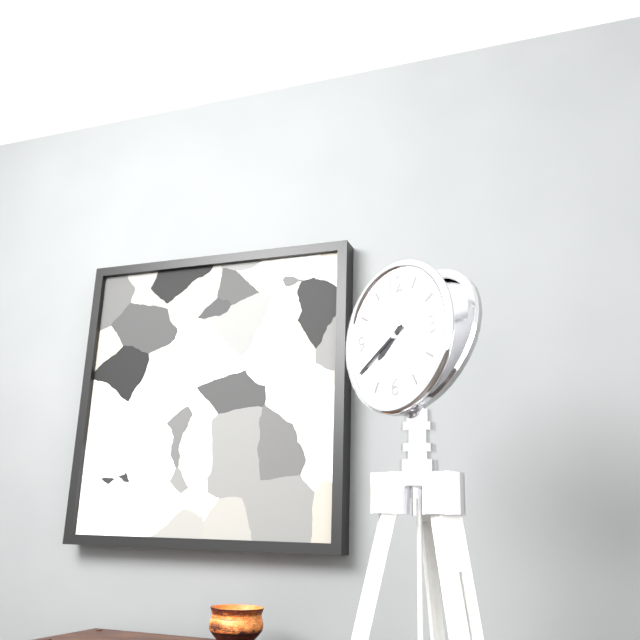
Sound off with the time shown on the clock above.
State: 7:40
